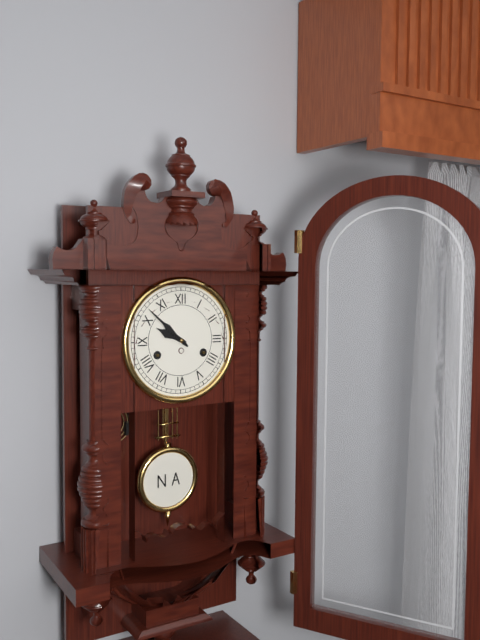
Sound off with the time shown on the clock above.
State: 9:52
